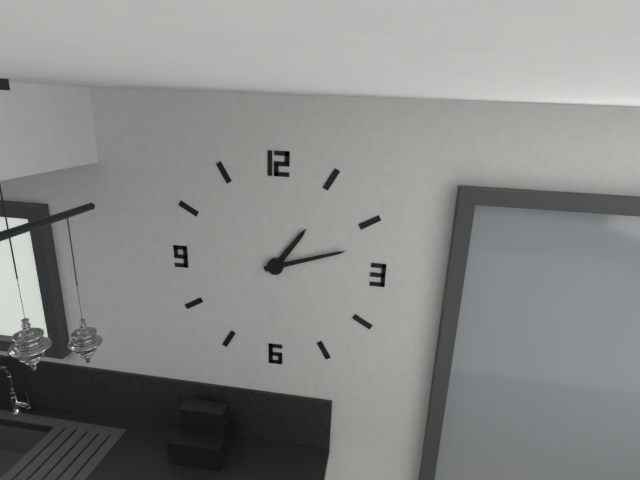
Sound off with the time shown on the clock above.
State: 1:12
